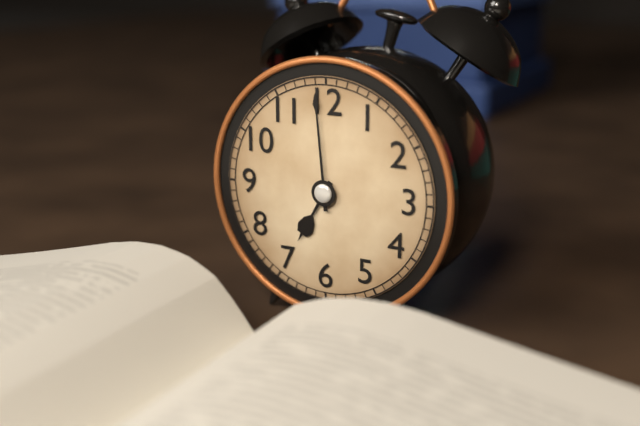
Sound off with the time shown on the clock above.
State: 6:59
